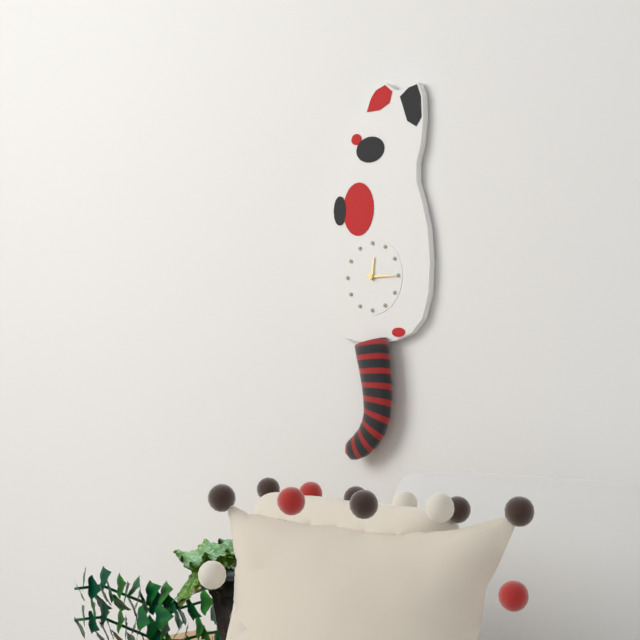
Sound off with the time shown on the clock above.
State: 12:15
